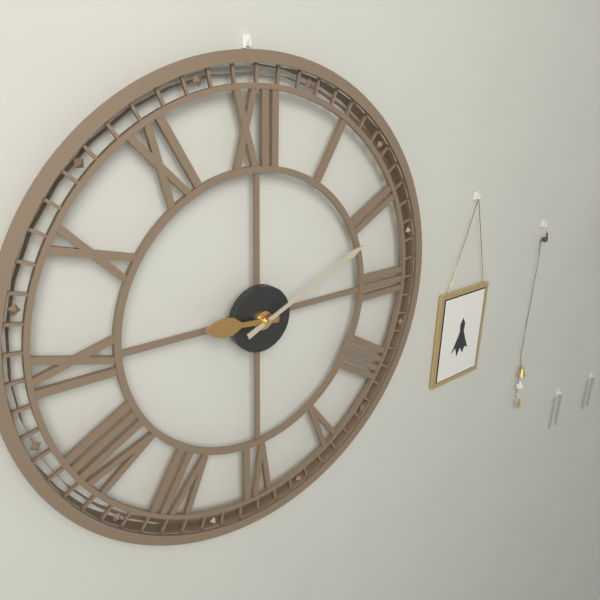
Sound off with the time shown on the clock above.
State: 9:11
